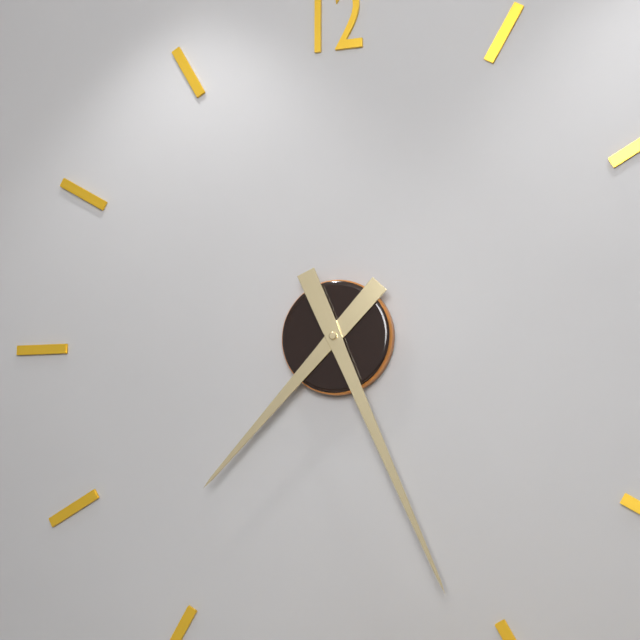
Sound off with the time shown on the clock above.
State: 7:26
